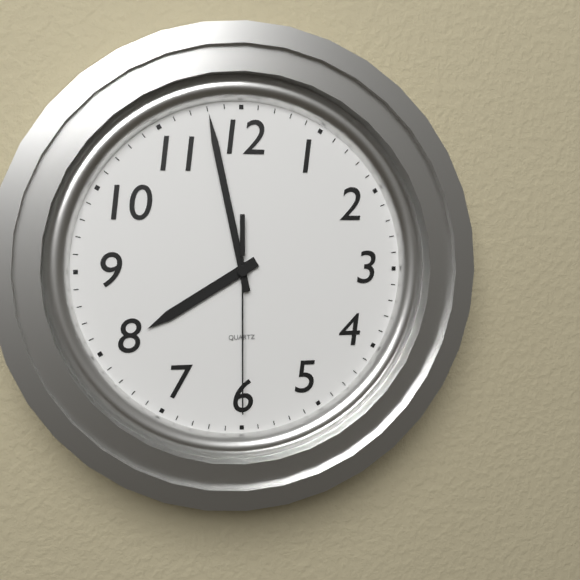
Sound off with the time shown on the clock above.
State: 7:58:30
